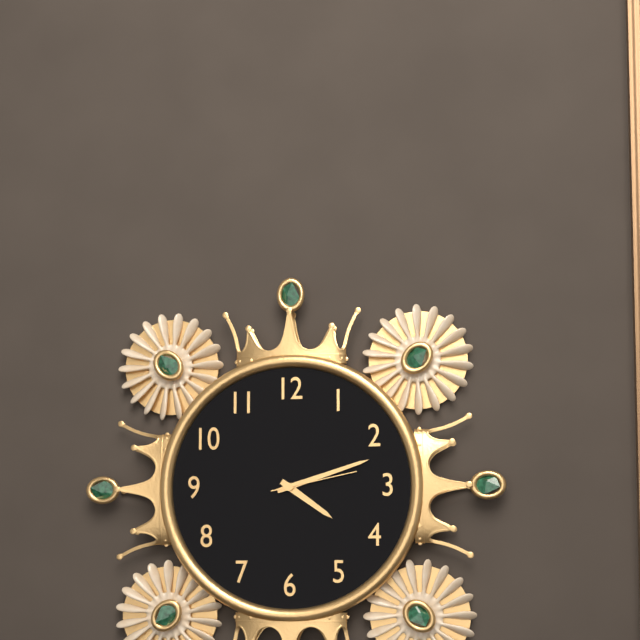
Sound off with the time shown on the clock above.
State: 4:12:13
